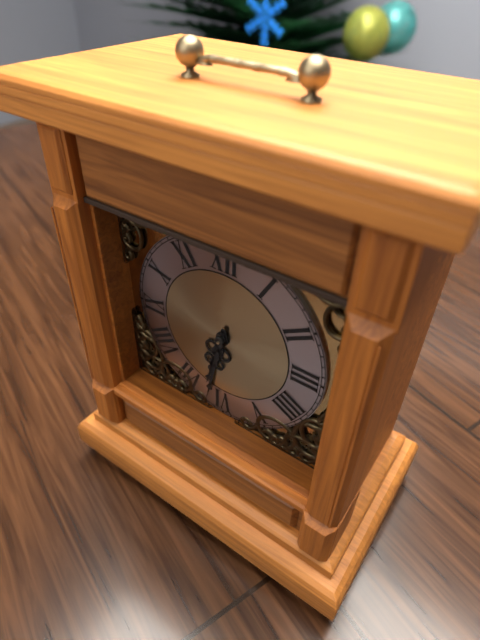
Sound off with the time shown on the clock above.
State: 6:32
